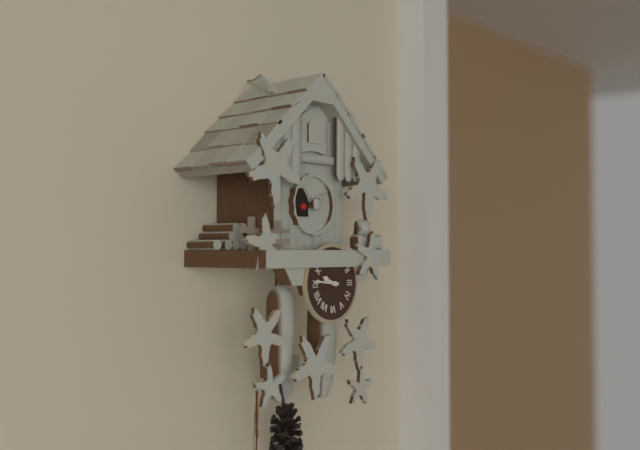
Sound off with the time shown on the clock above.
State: 9:46
